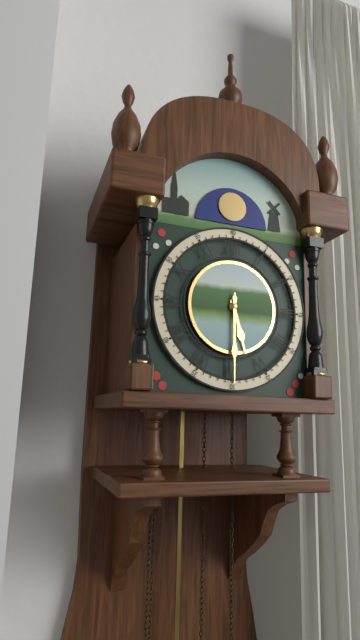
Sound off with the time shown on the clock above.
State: 5:30
